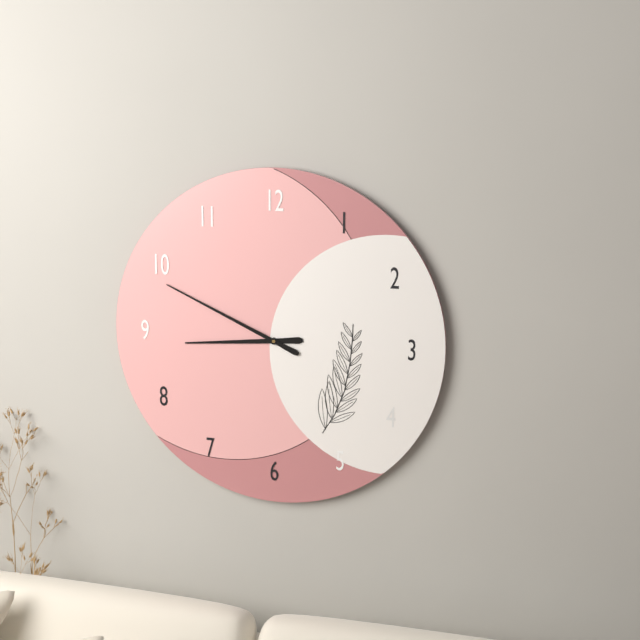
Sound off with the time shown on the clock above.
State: 8:49
